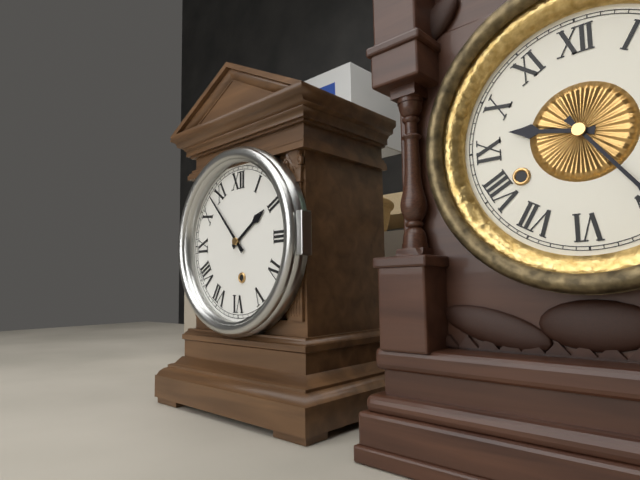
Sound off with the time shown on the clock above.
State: 1:53
